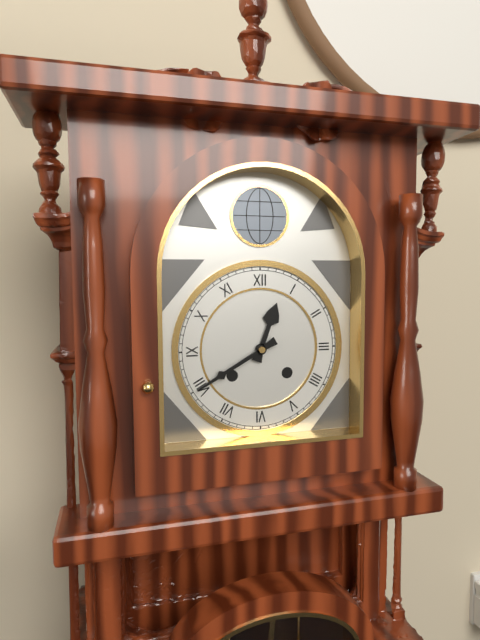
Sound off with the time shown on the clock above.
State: 12:40
